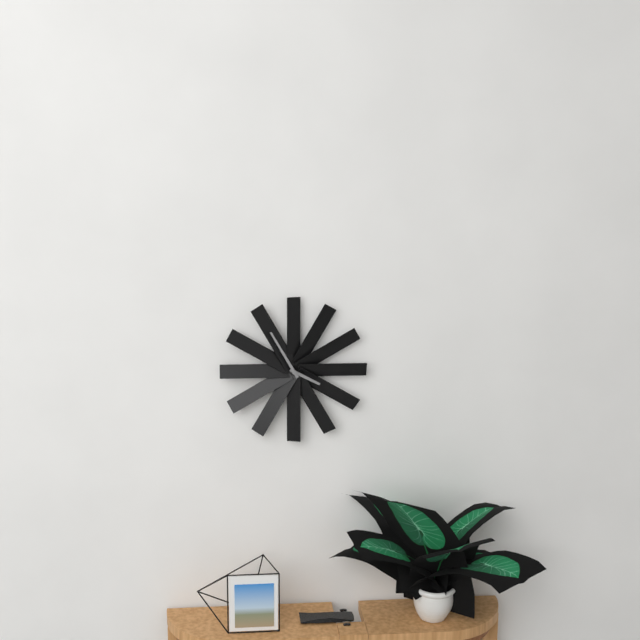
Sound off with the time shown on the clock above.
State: 3:55
